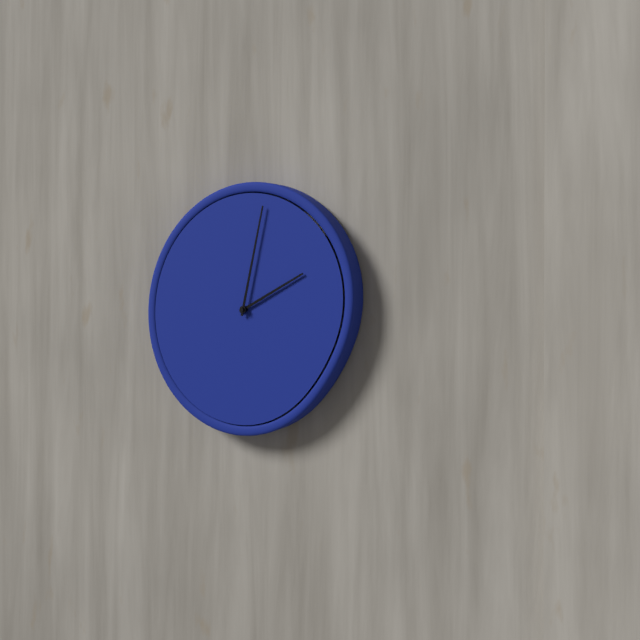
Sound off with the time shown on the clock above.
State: 2:02
